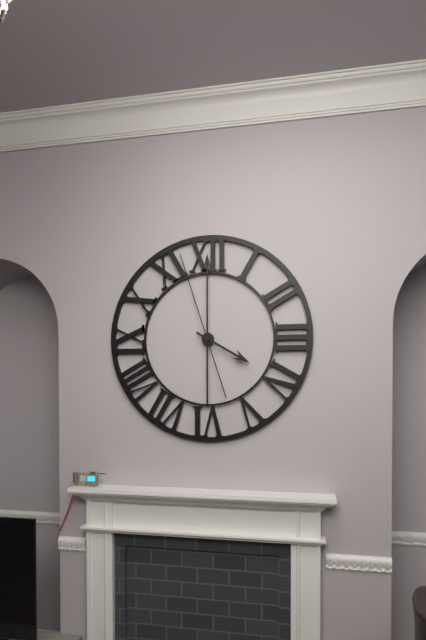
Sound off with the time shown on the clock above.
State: 4:00:57
